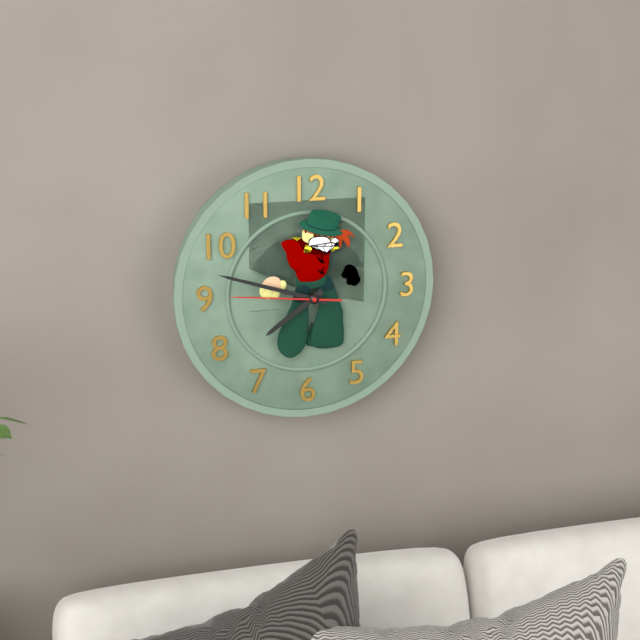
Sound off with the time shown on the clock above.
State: 7:48:46
